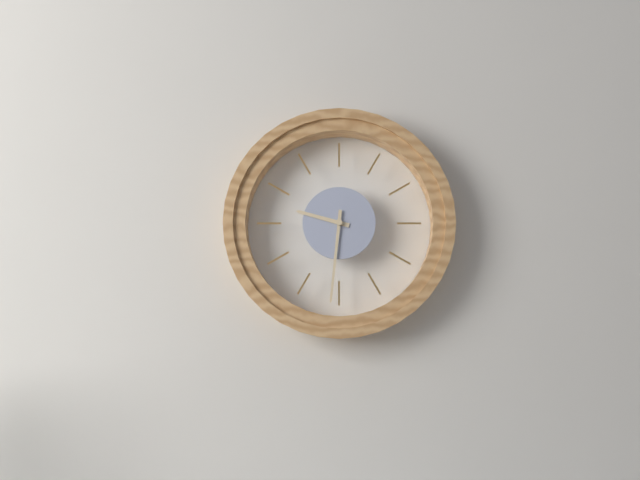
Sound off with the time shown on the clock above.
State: 9:31
